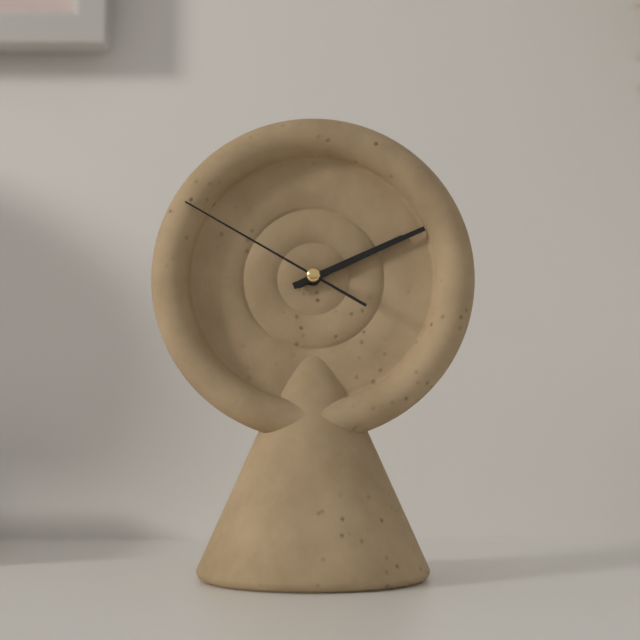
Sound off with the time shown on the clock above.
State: 2:11:50
